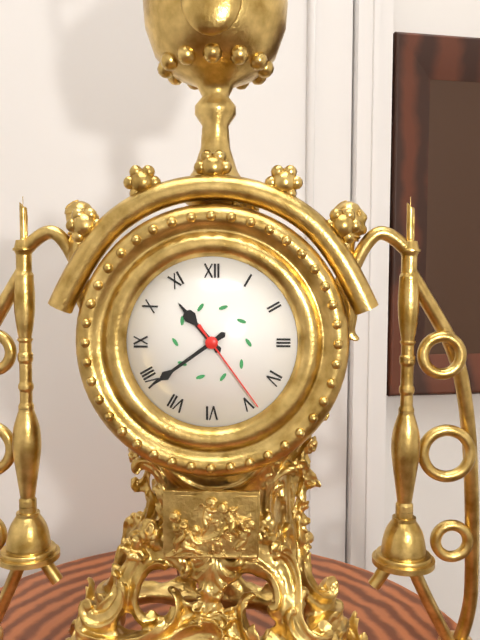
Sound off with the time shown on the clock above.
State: 10:39:24
